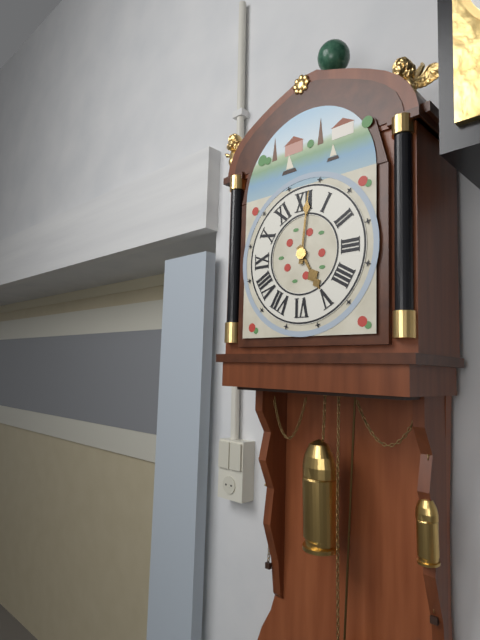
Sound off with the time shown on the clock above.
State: 5:01
